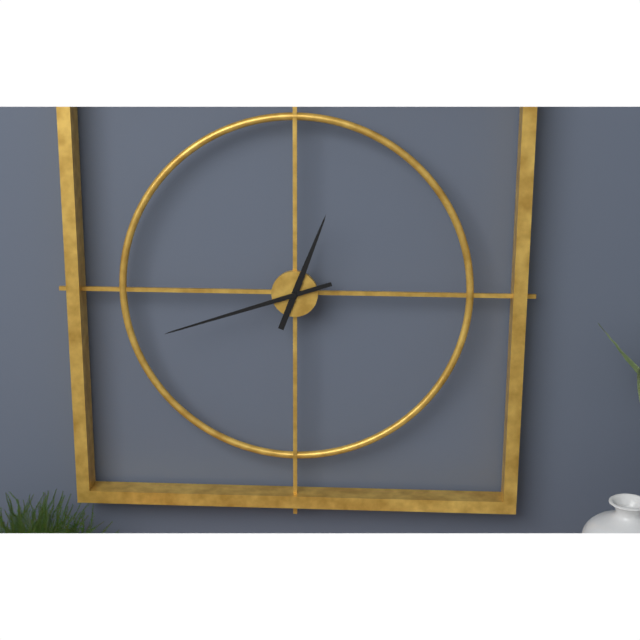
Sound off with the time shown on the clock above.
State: 12:42
